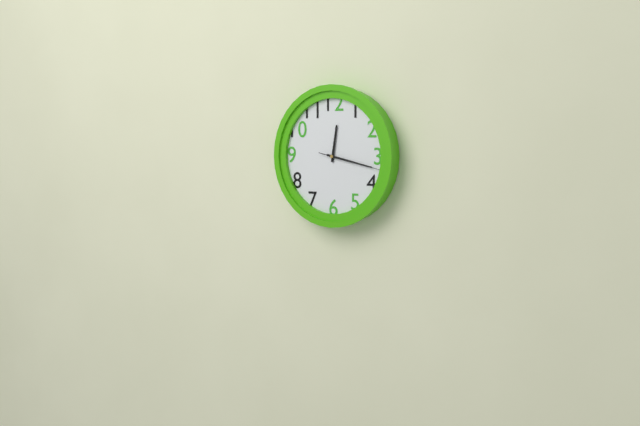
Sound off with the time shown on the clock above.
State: 12:17:17
